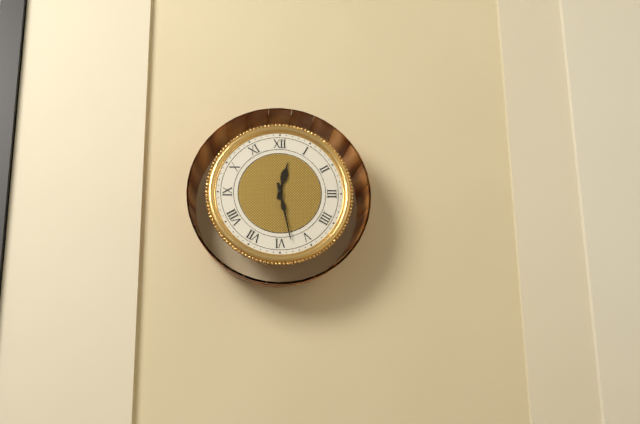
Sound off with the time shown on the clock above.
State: 12:28
